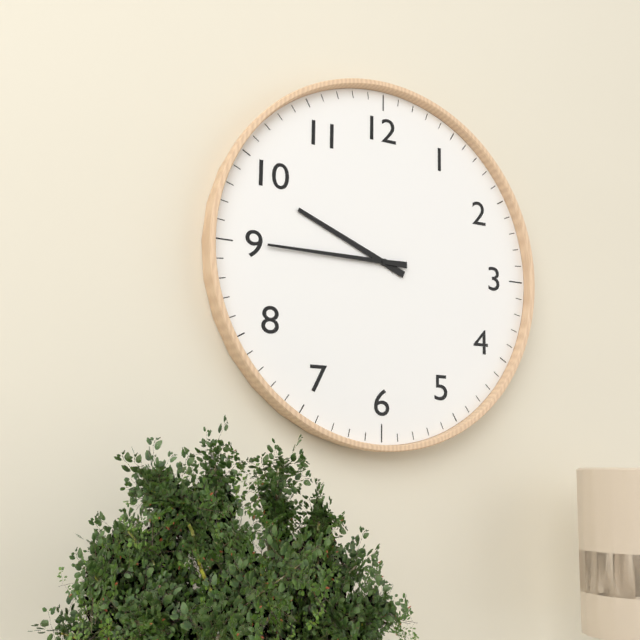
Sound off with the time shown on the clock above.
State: 9:45
